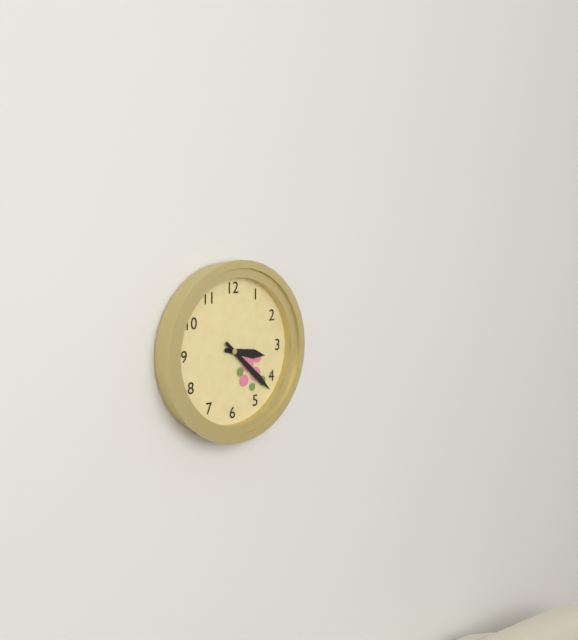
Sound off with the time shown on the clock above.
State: 3:22
